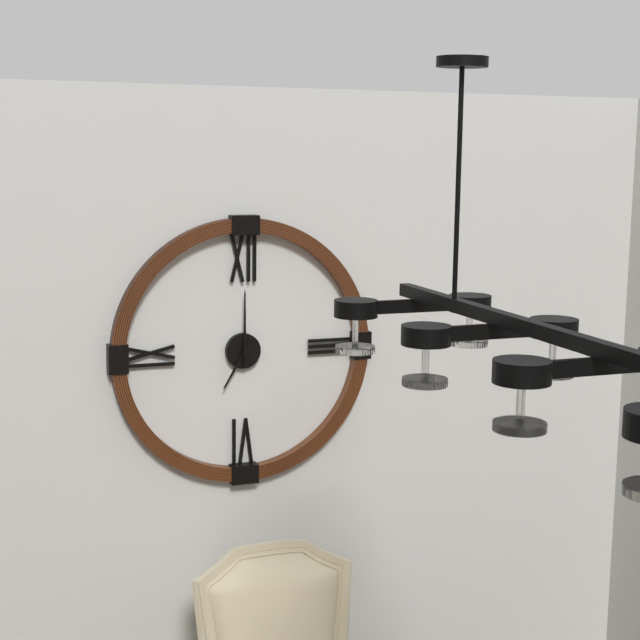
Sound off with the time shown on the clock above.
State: 7:00
